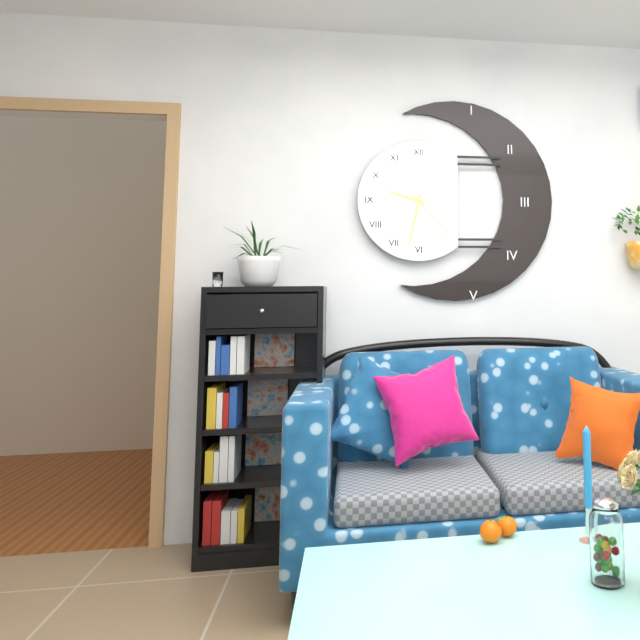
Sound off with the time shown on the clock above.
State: 9:32:23
